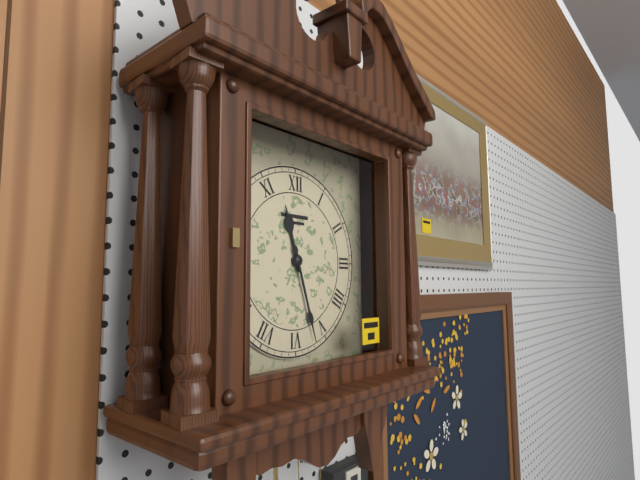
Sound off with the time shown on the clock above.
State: 11:27
